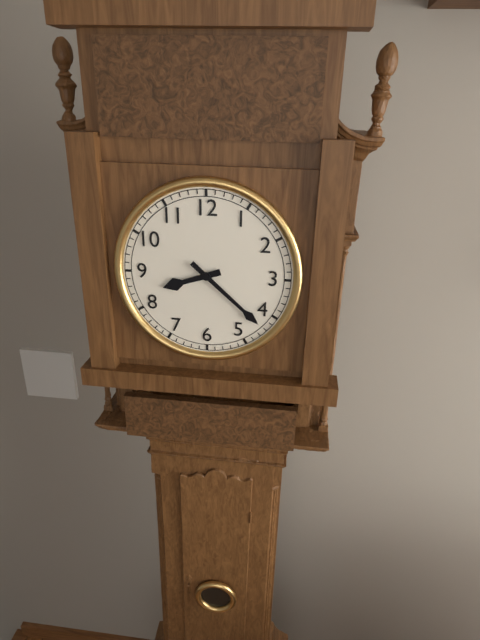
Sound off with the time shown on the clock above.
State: 8:22
